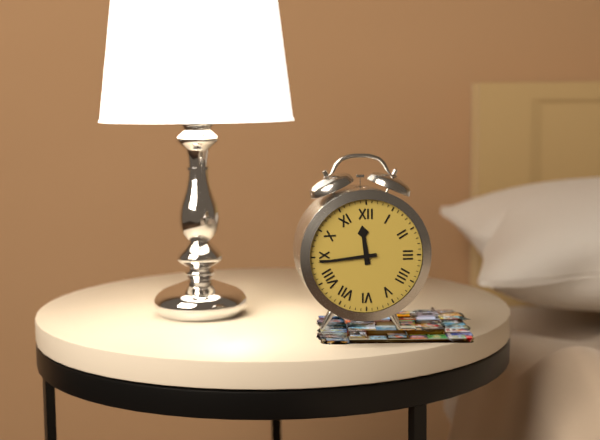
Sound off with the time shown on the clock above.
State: 11:44
